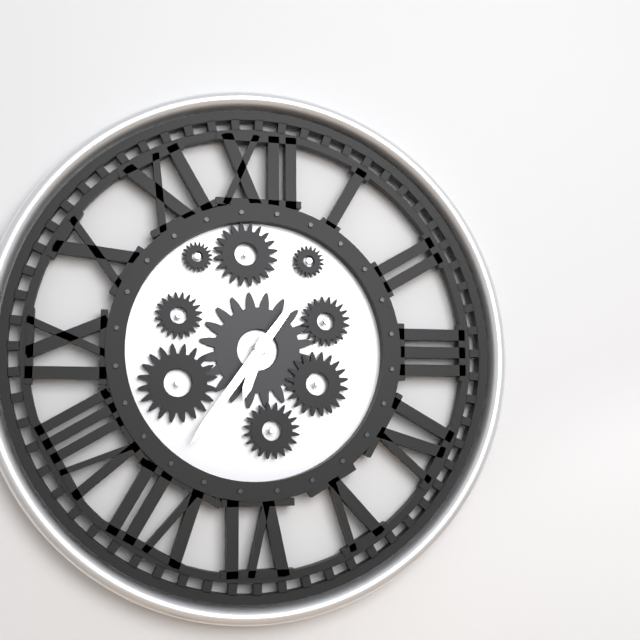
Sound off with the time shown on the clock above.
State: 6:36
